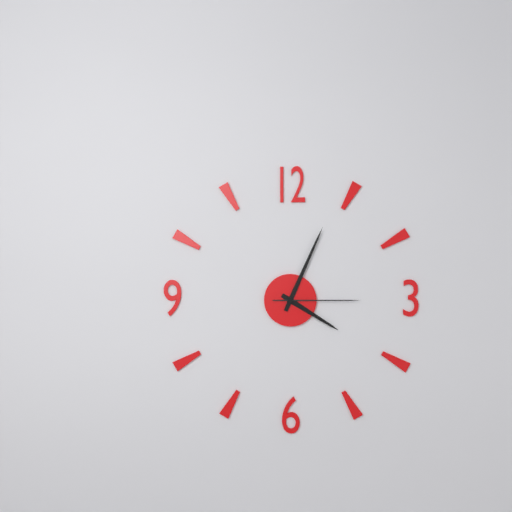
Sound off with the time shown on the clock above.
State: 4:04:15
